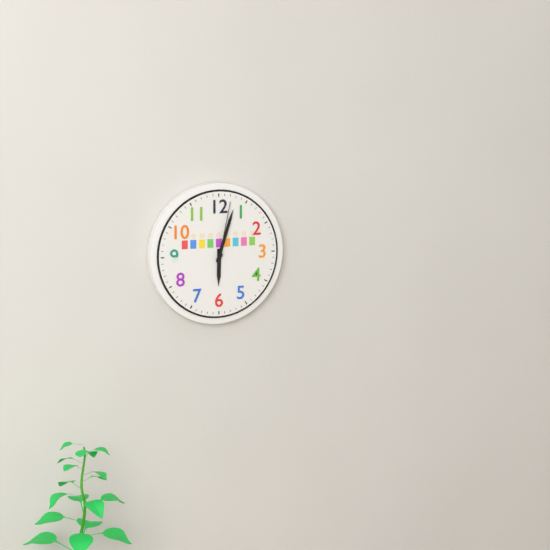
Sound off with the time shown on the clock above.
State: 6:03:02
